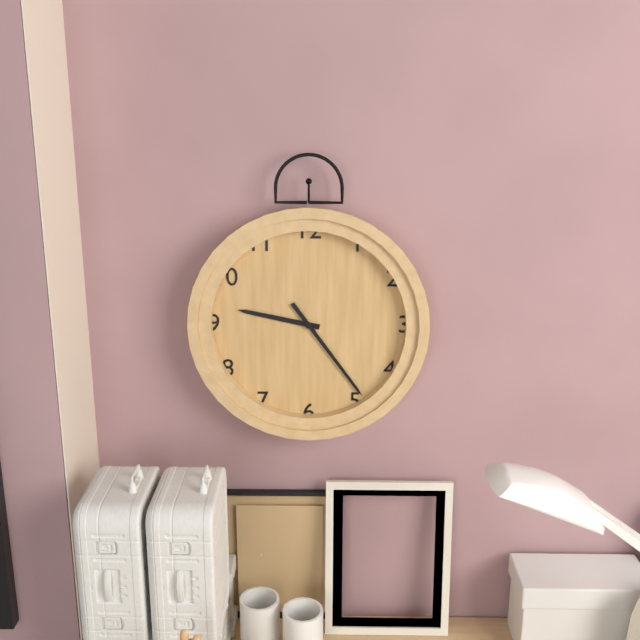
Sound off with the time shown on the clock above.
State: 9:24
